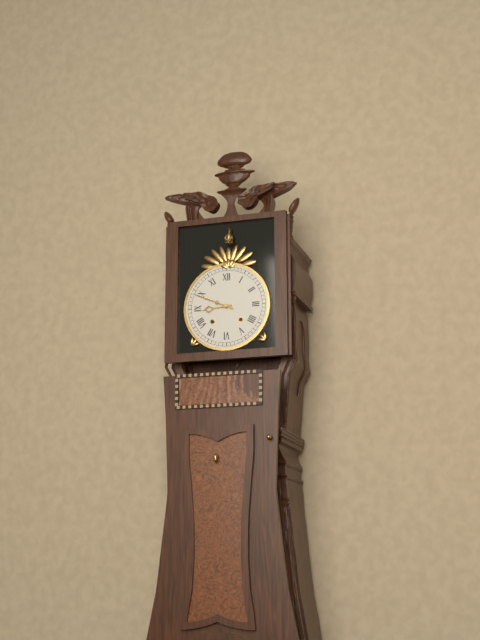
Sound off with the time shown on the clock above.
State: 8:49
